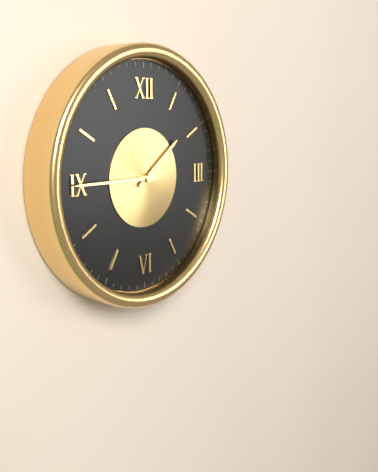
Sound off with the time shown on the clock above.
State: 1:45
